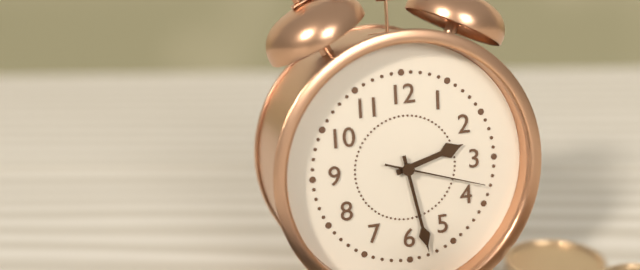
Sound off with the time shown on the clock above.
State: 2:28:18
